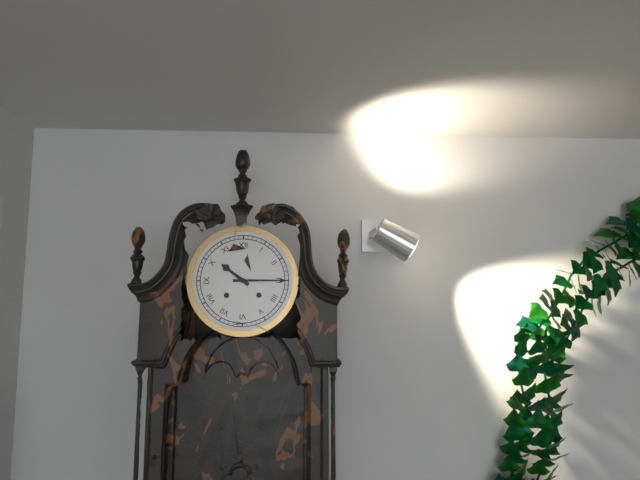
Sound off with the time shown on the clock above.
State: 10:15
